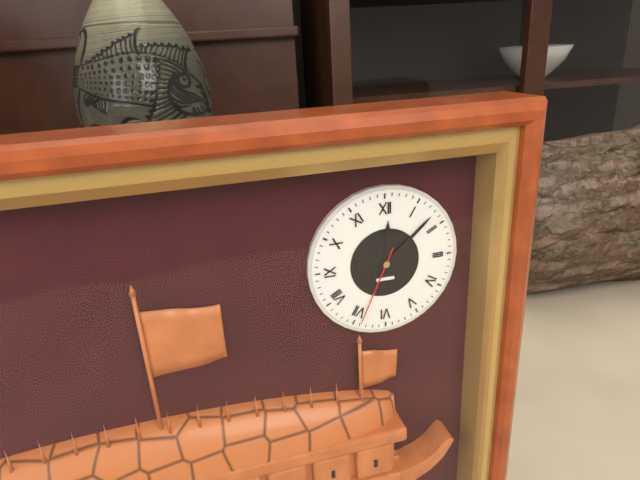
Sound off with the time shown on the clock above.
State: 12:08:34
